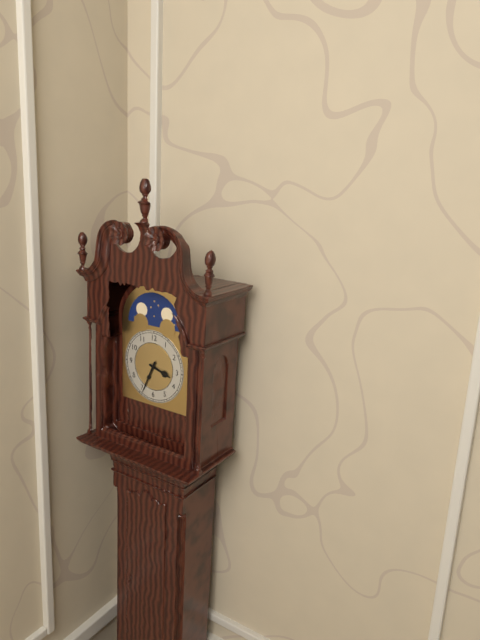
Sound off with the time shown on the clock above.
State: 3:34
